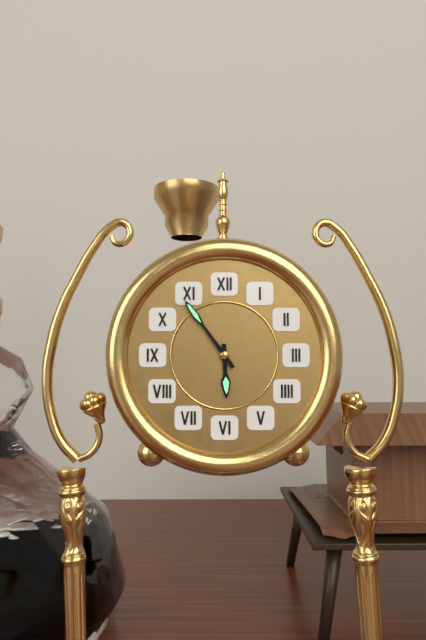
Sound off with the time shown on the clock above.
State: 5:54
